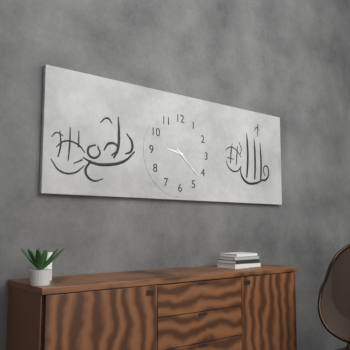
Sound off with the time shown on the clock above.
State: 9:22
